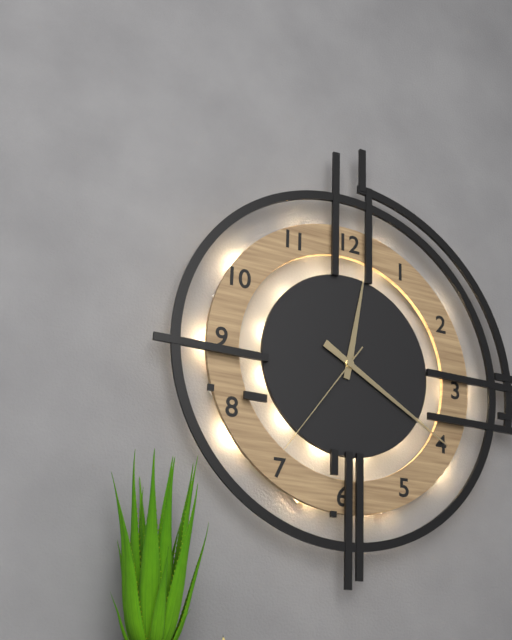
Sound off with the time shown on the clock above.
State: 12:20:36
